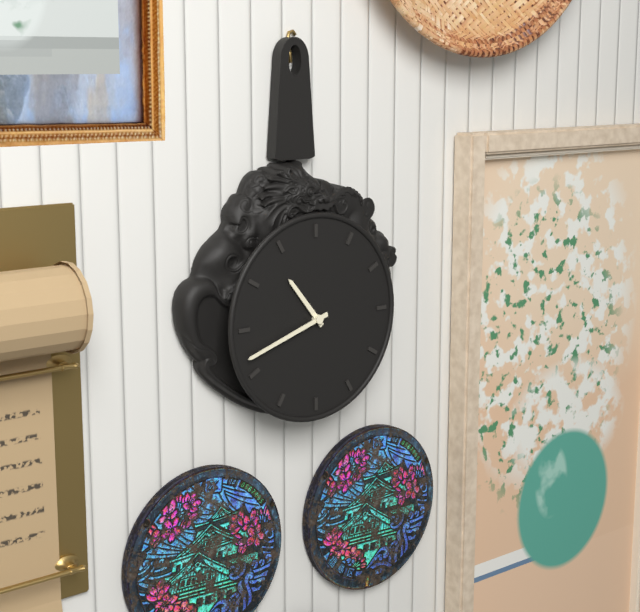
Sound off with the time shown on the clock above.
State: 10:42
